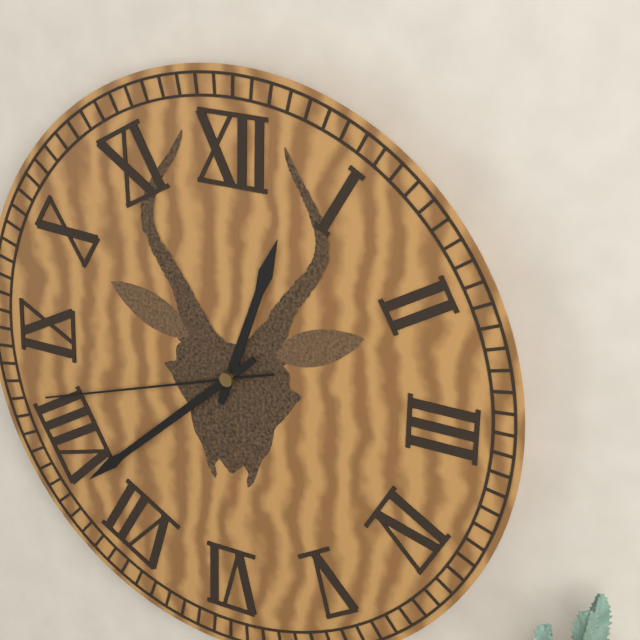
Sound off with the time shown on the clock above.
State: 12:38:42
